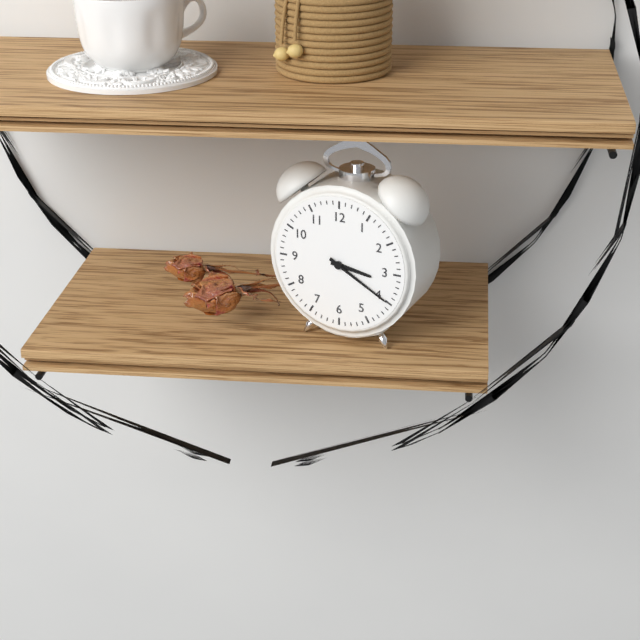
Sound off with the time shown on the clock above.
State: 3:20
